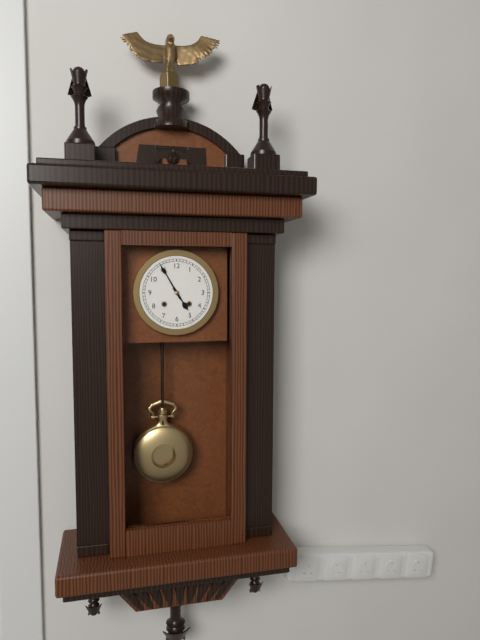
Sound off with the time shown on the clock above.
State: 4:55
